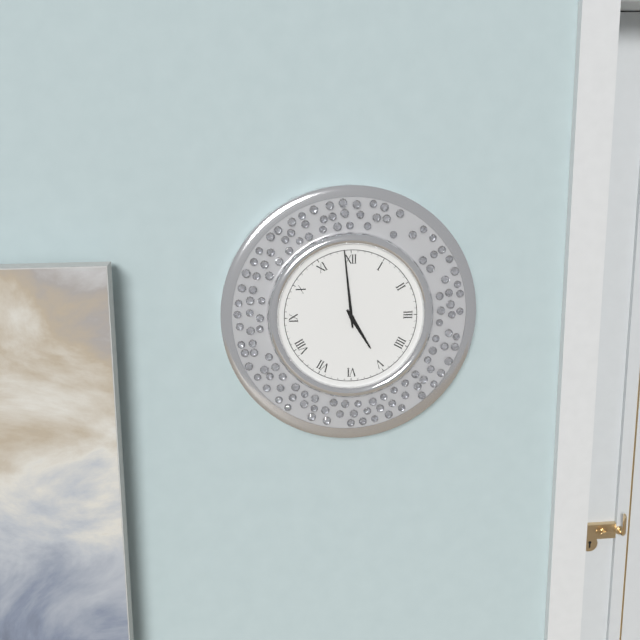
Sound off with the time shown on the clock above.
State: 4:59
